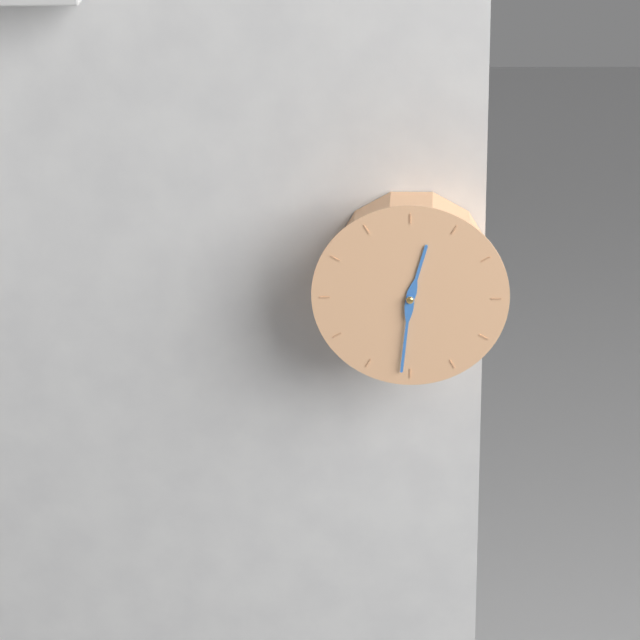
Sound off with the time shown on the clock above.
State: 12:31
